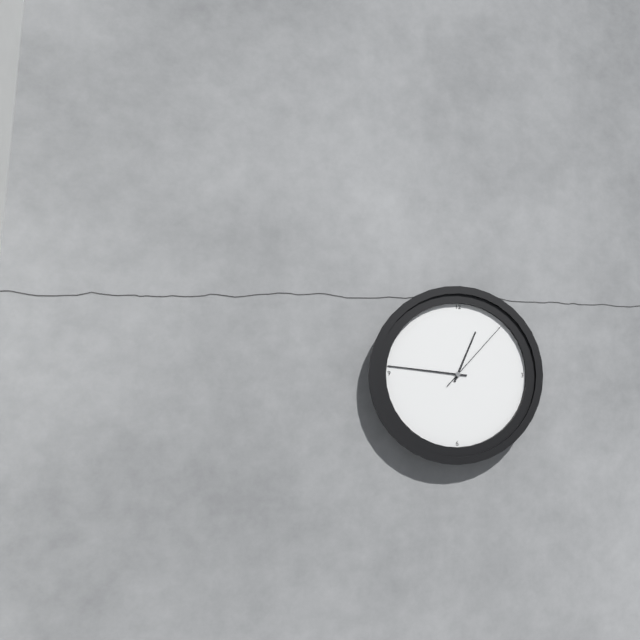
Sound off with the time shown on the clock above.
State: 12:46:07
